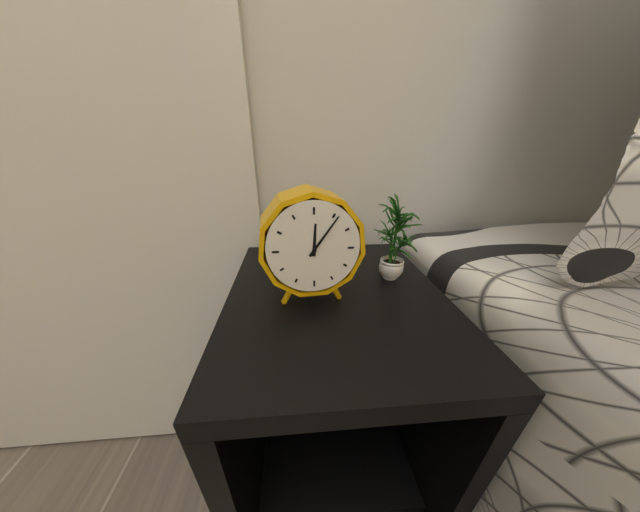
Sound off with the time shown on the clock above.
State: 12:06
